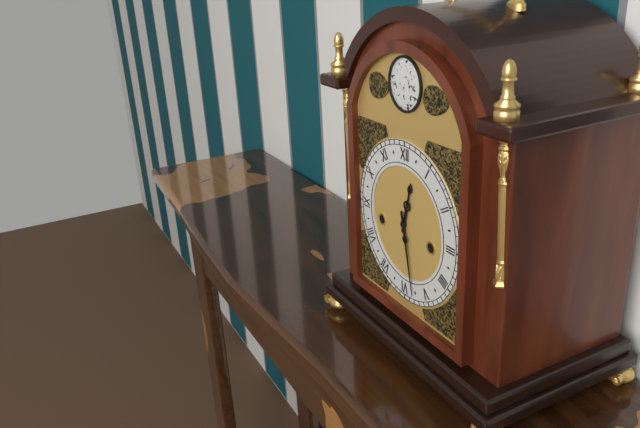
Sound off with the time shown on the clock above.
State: 12:28
